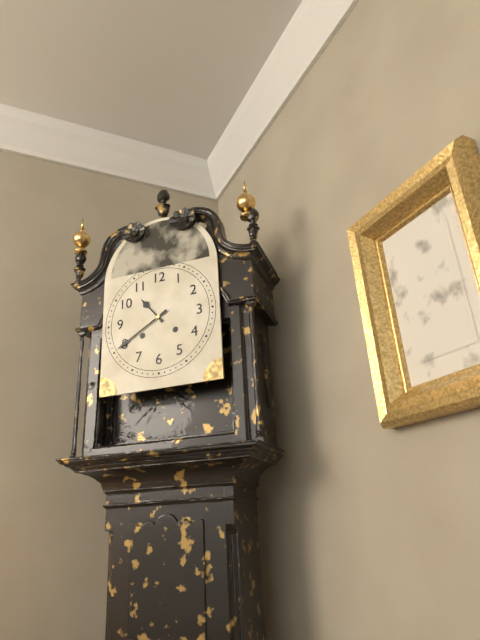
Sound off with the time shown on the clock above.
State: 10:40
